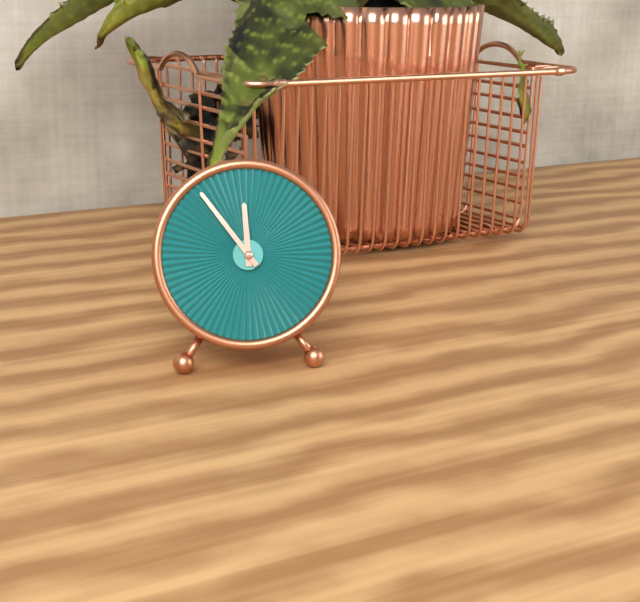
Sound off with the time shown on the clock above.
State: 11:54
